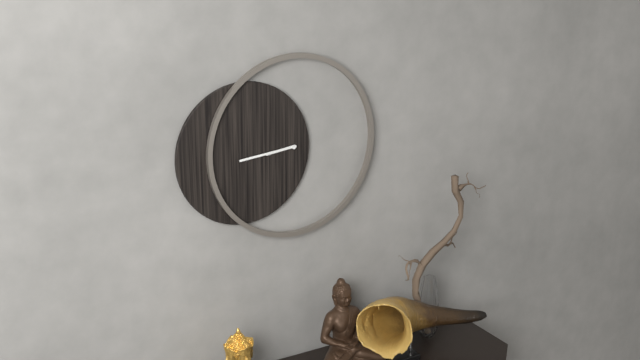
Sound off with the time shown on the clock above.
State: 8:44
